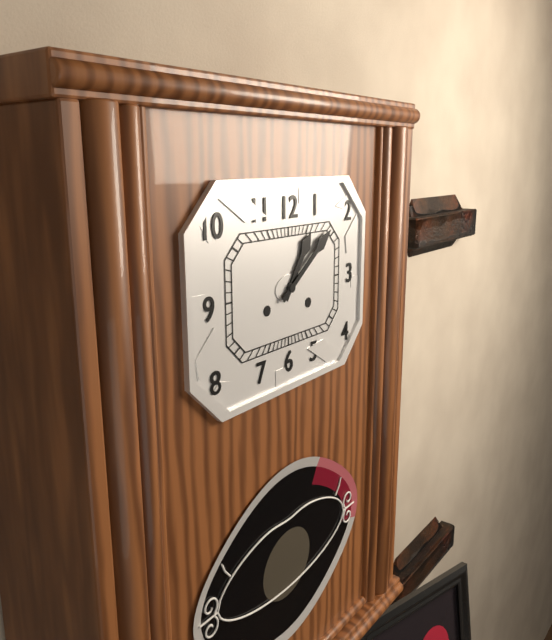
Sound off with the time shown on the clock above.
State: 1:09
